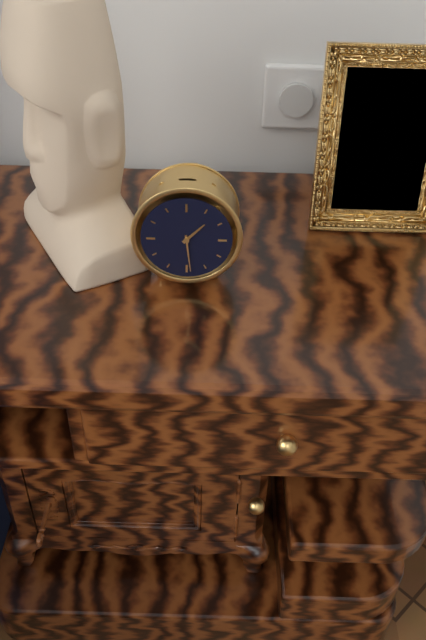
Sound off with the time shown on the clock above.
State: 1:29
